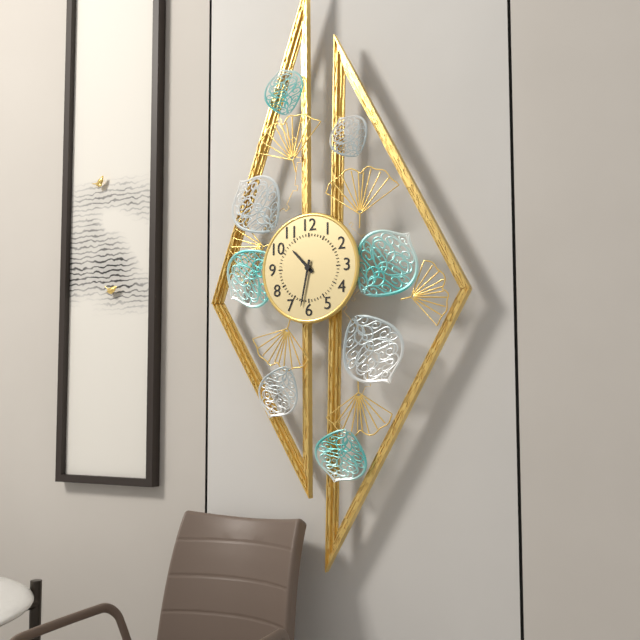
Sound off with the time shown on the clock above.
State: 10:32
